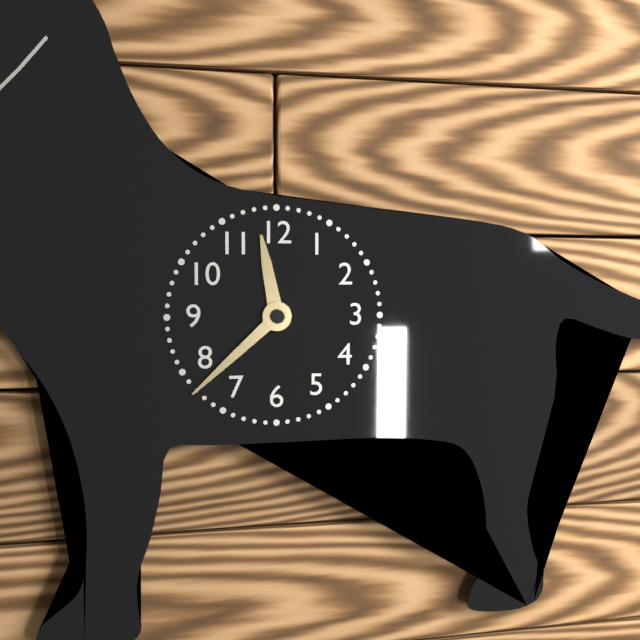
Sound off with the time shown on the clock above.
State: 11:38
